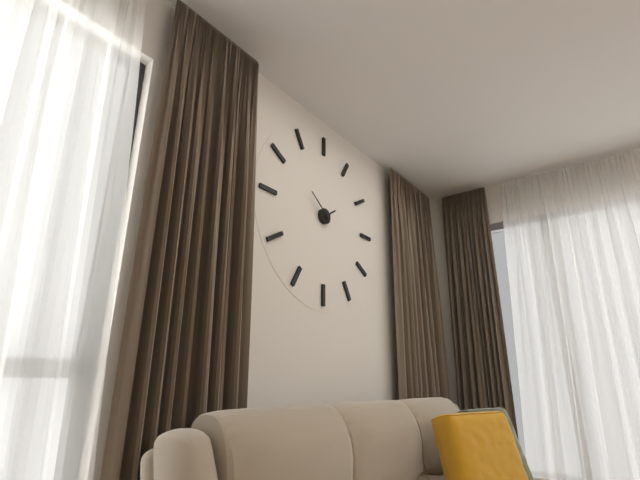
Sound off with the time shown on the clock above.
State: 1:51
